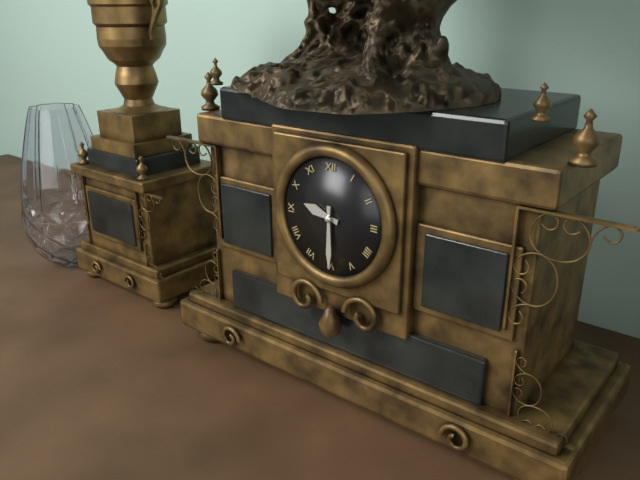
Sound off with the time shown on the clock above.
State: 9:30
